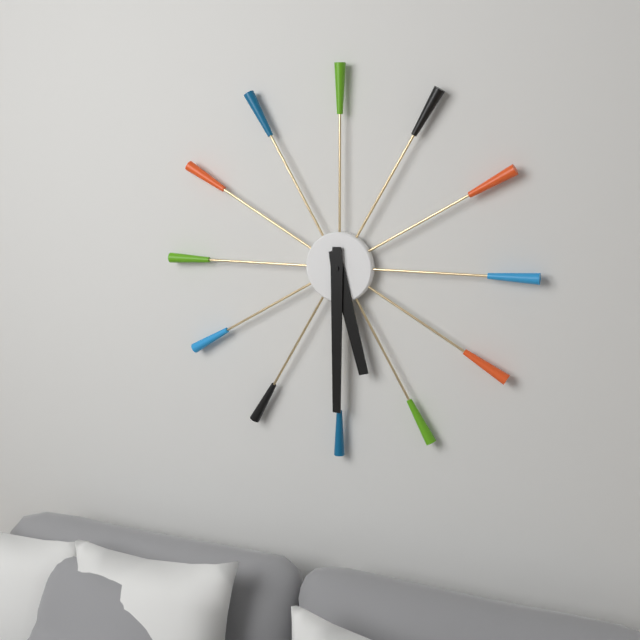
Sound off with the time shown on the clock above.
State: 5:30
